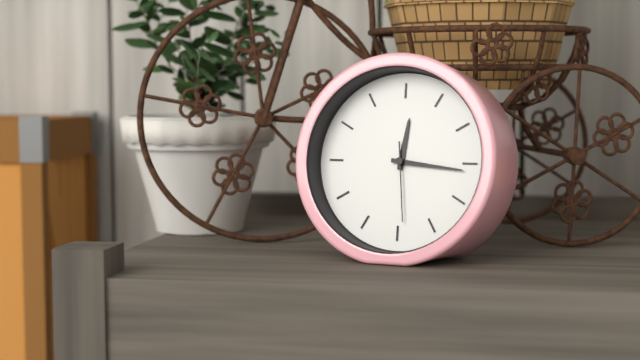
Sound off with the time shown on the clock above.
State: 12:16:29
